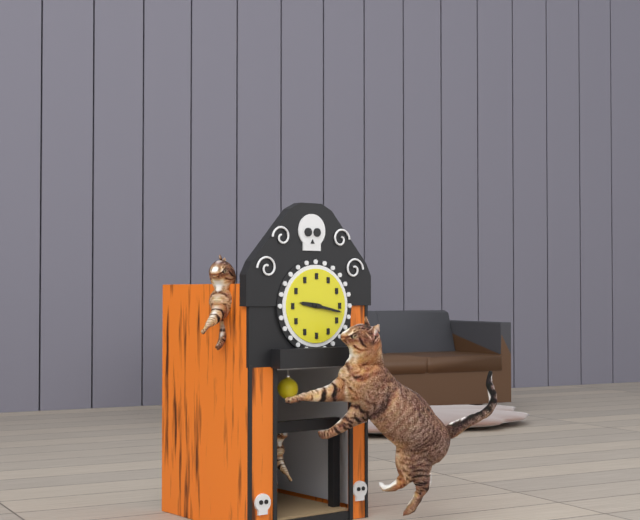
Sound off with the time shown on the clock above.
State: 9:17
